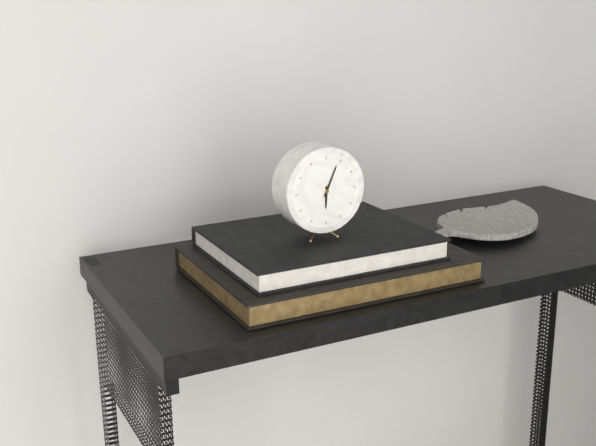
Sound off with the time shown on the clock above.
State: 6:04
